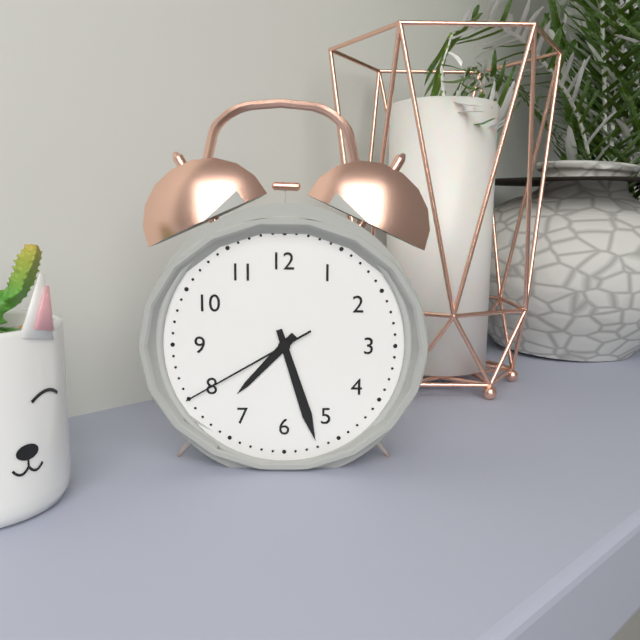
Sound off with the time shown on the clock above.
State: 7:27:40
